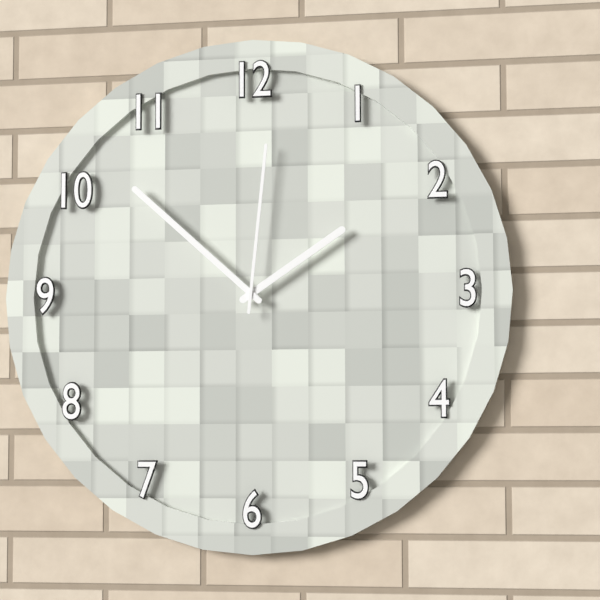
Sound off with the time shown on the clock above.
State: 1:52:01
